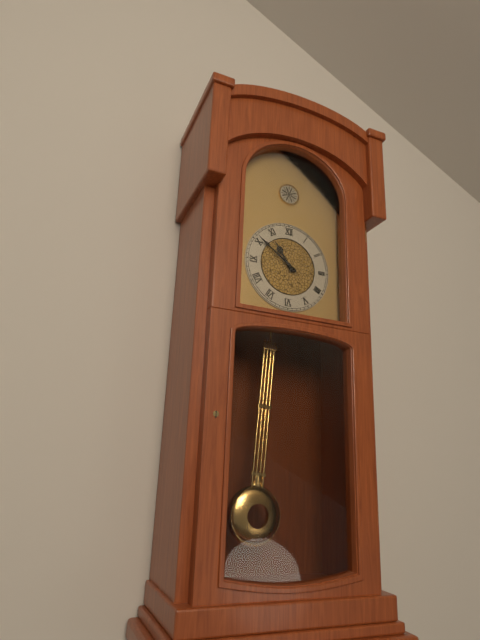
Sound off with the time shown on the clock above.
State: 10:51
